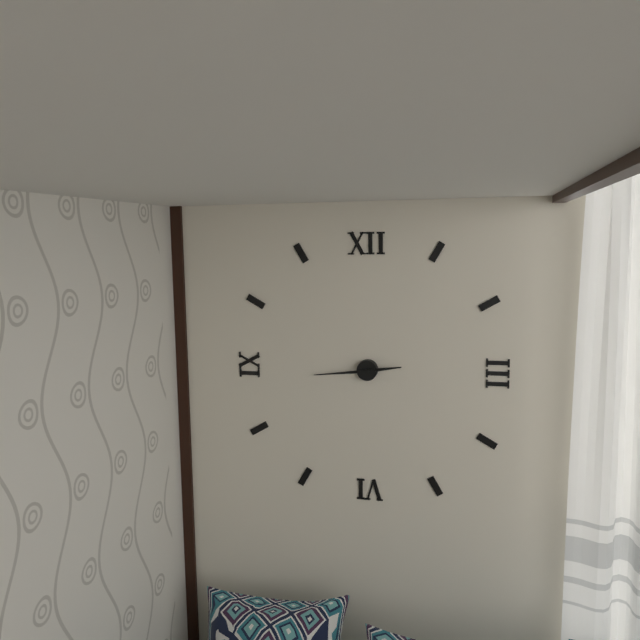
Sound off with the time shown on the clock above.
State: 2:44
